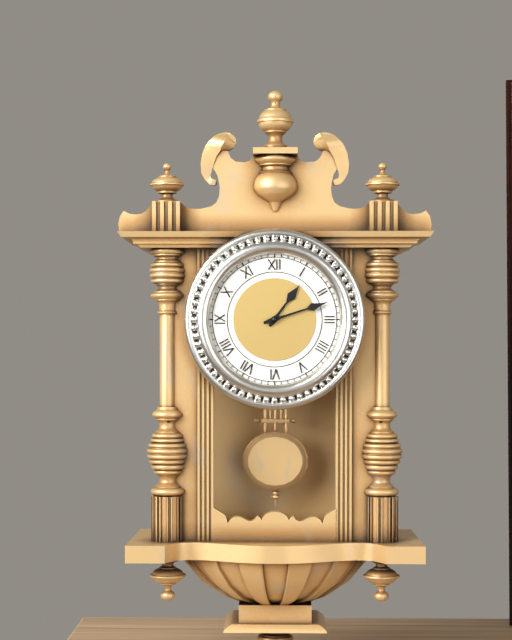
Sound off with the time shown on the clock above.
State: 1:12
